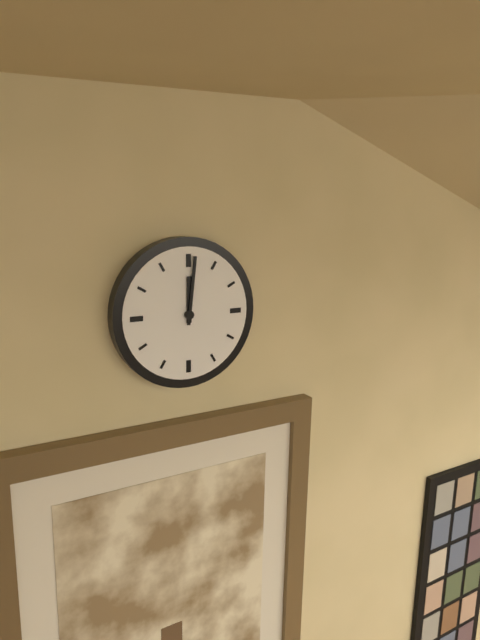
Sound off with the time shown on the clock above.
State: 12:01
